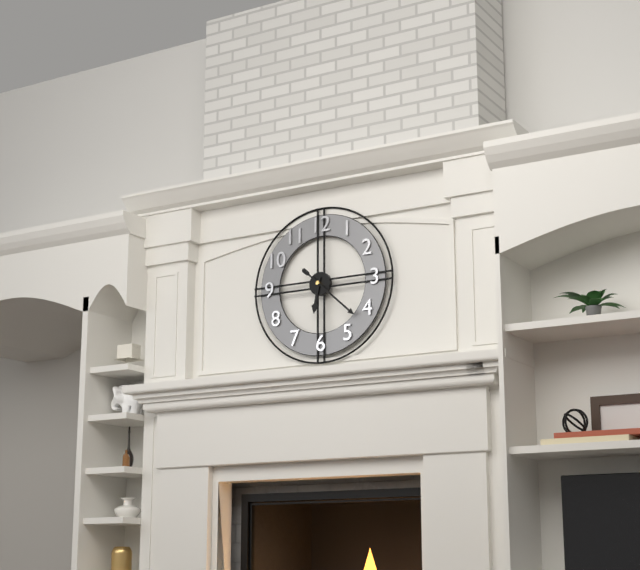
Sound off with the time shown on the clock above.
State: 6:22
